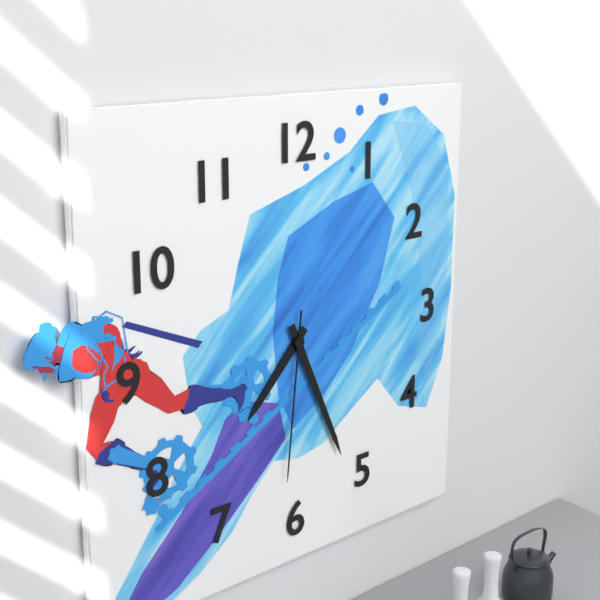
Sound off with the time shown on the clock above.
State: 7:26:31
